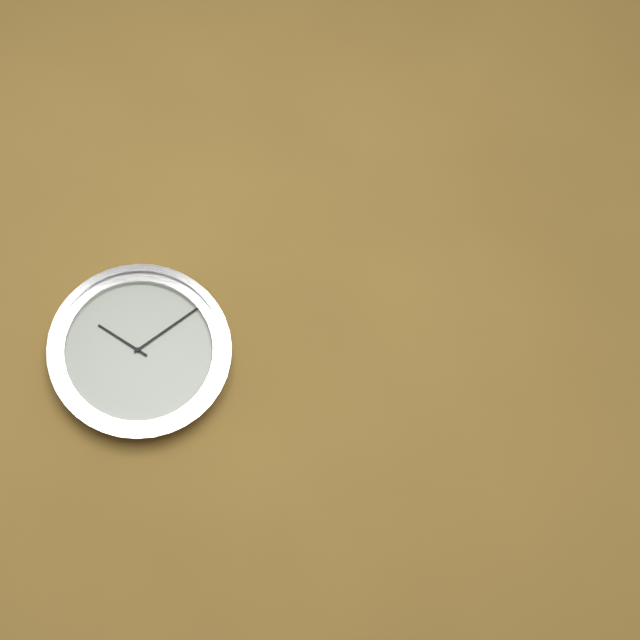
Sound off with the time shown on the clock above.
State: 10:09
